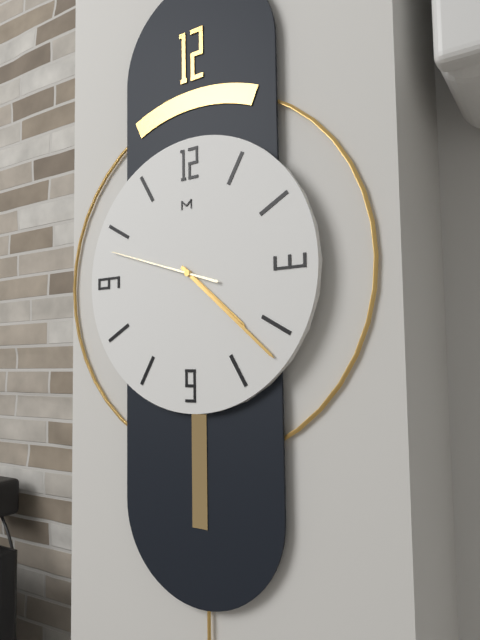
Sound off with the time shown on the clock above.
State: 4:22:48
